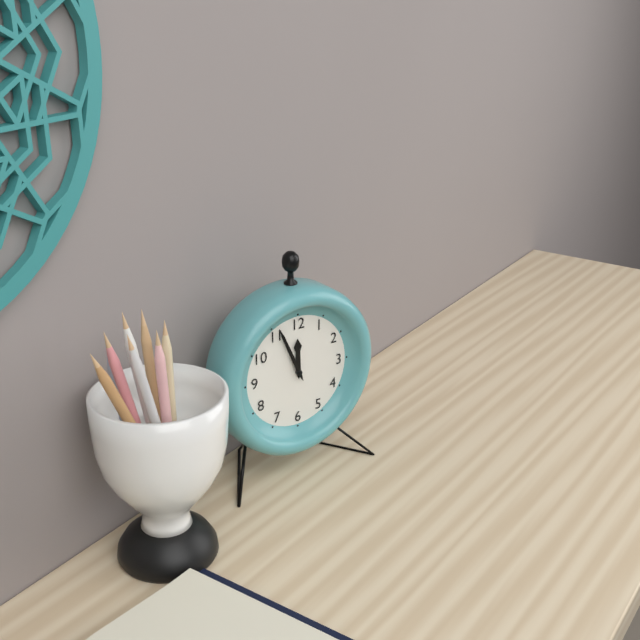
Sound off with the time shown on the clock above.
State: 11:56
